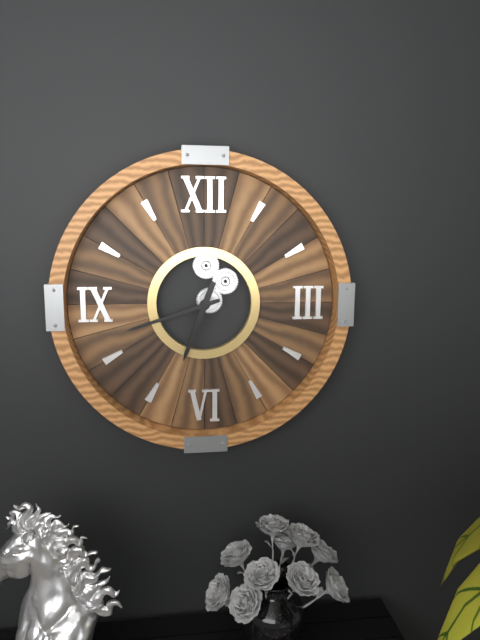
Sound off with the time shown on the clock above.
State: 6:42
